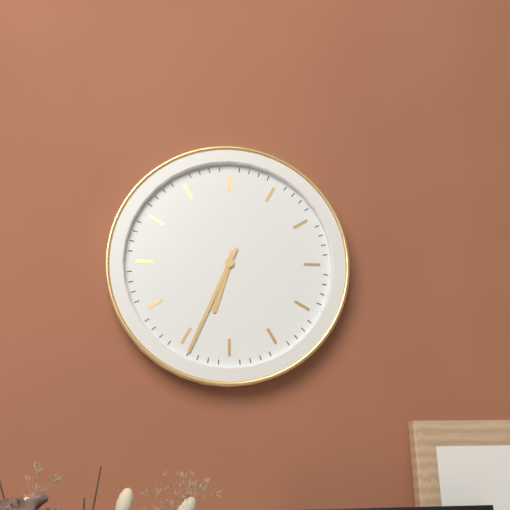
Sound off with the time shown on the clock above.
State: 6:34
